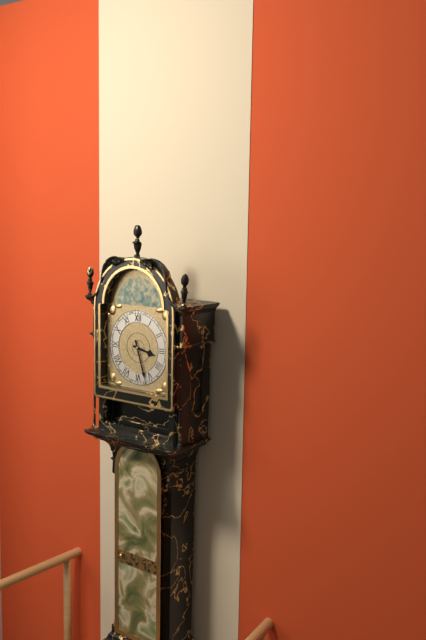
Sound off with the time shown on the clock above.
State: 3:27
